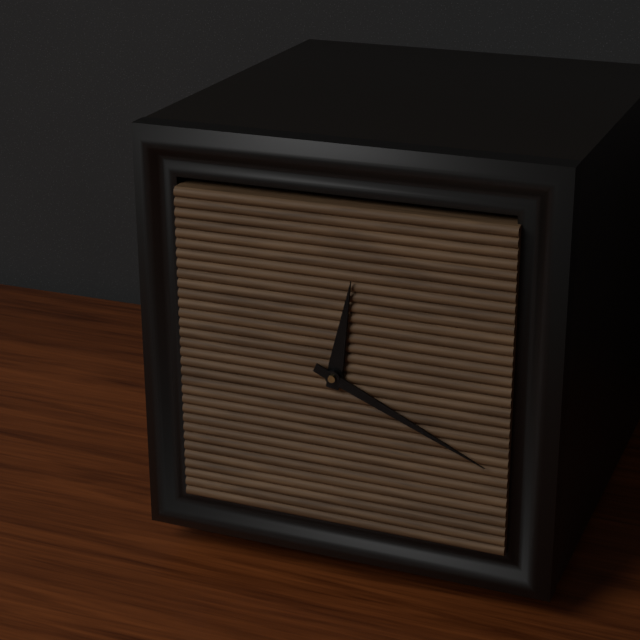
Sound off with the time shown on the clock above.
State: 12:19
